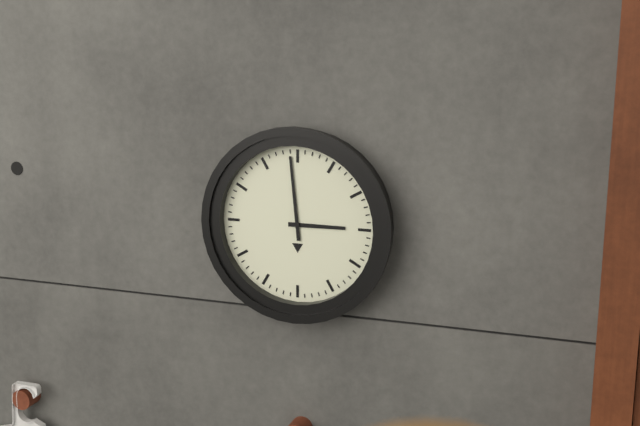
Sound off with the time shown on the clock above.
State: 2:59
